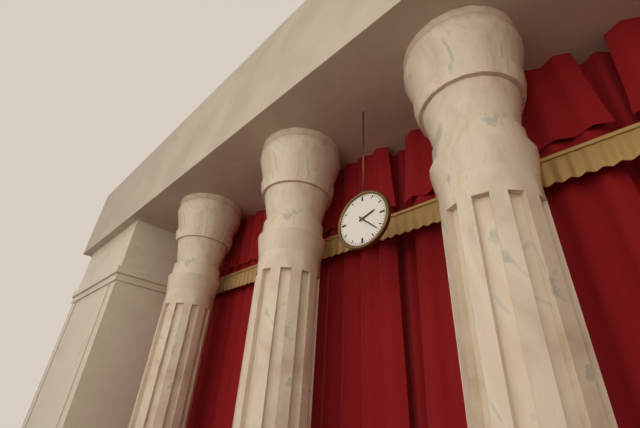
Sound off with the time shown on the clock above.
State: 2:22
